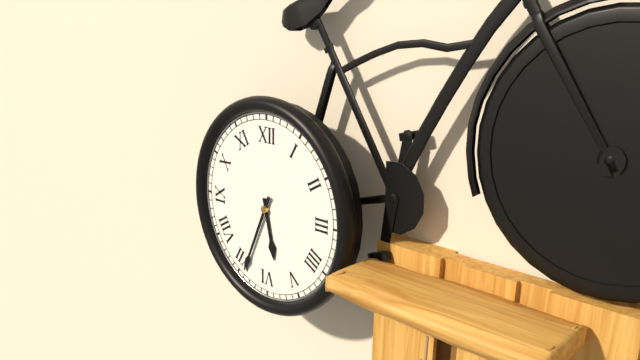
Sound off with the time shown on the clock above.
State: 5:34
